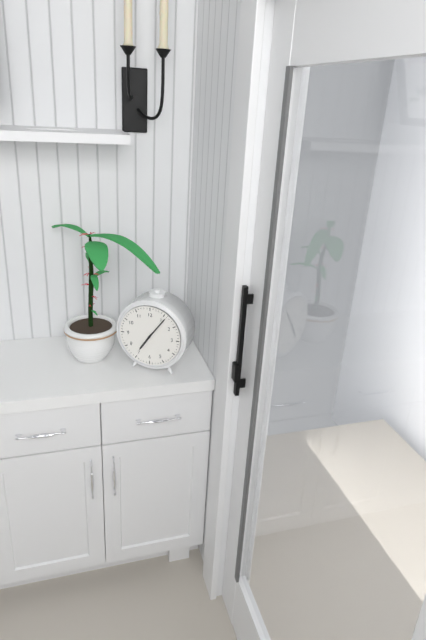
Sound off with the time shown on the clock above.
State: 7:06
